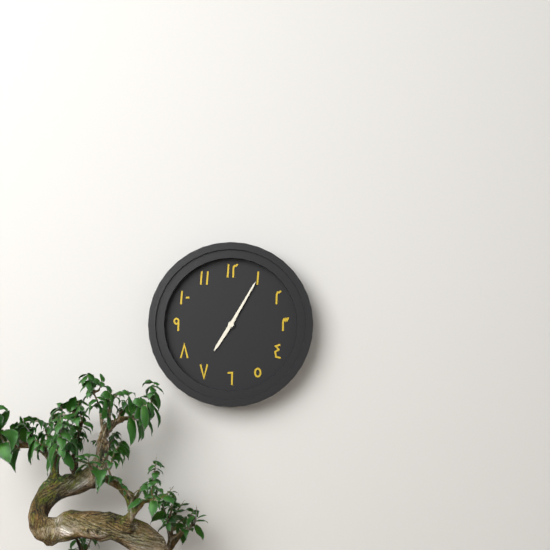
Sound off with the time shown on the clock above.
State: 7:05
